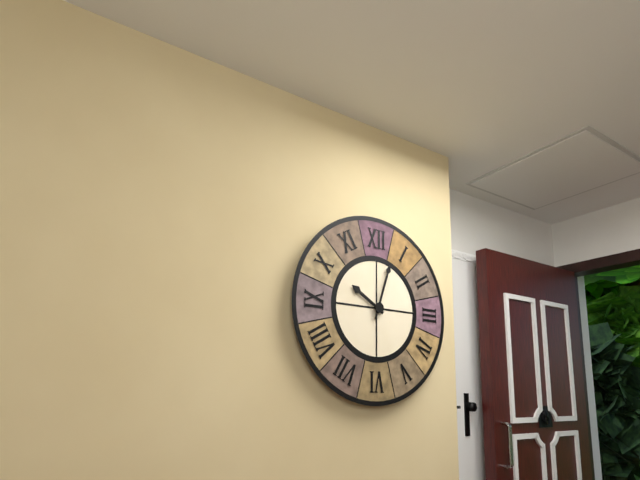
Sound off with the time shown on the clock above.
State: 10:03
